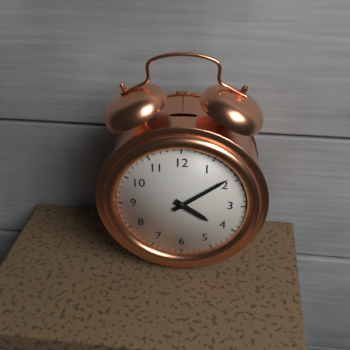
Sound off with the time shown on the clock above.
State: 4:09
